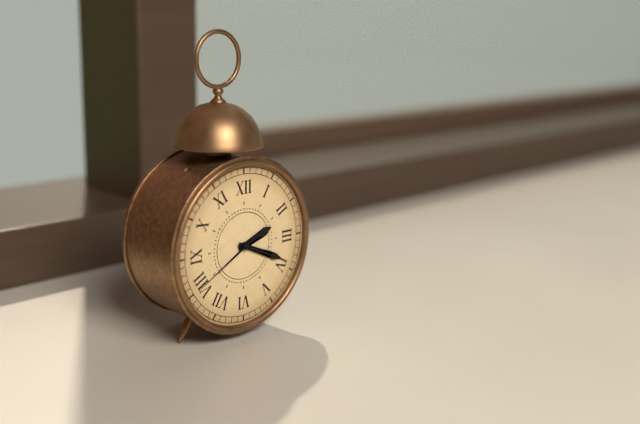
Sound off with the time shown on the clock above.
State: 2:19:40
